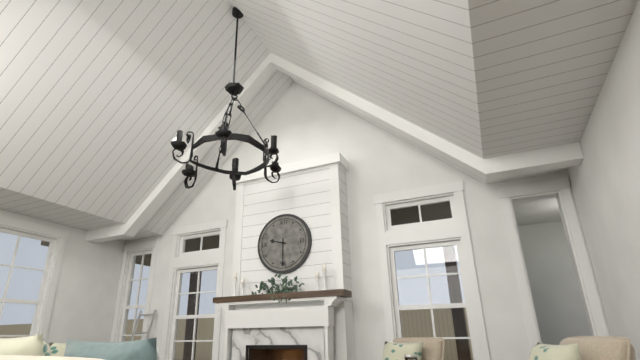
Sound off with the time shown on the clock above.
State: 9:30
